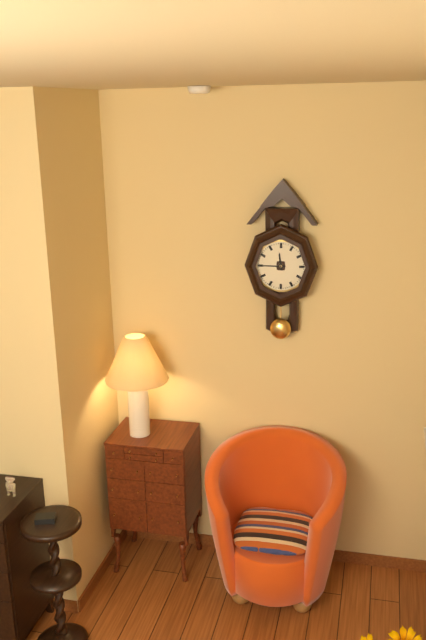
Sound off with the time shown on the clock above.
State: 11:45
